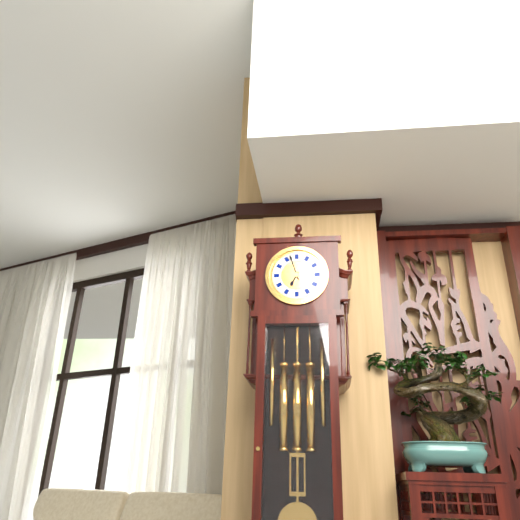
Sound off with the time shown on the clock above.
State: 6:57
